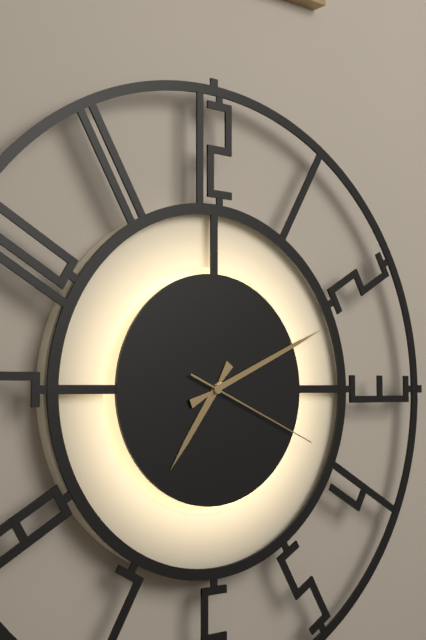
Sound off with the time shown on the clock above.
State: 7:11:19
